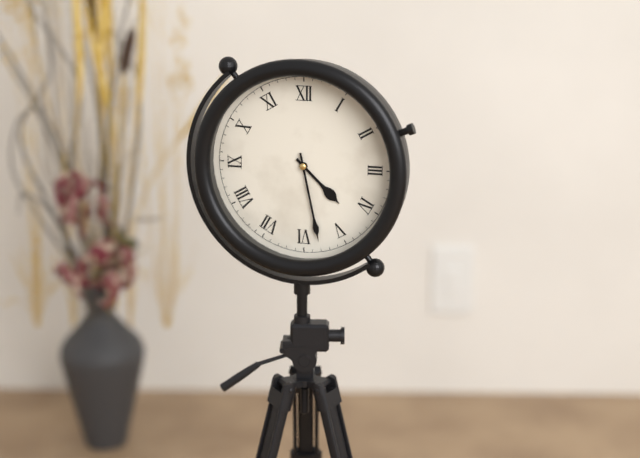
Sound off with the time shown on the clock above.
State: 4:28
